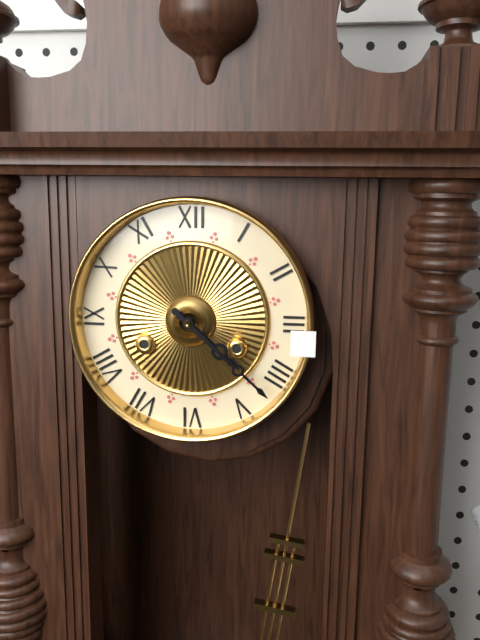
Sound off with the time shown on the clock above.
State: 4:22
